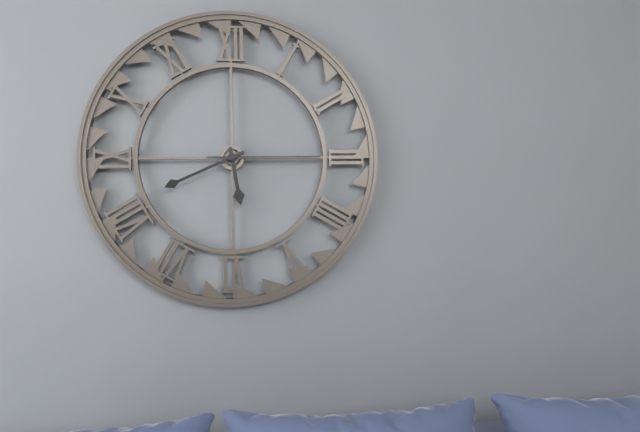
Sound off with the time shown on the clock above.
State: 5:41:15
